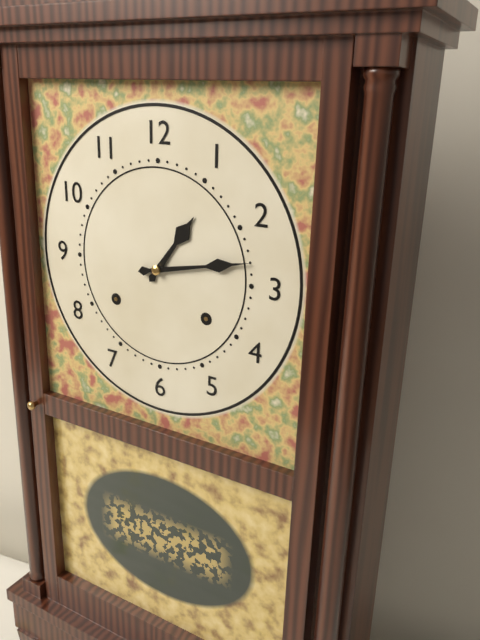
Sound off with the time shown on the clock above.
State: 1:13
